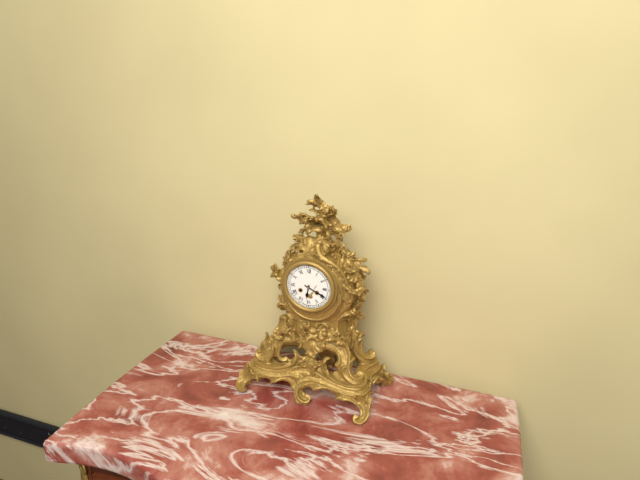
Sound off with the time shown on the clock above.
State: 6:19
